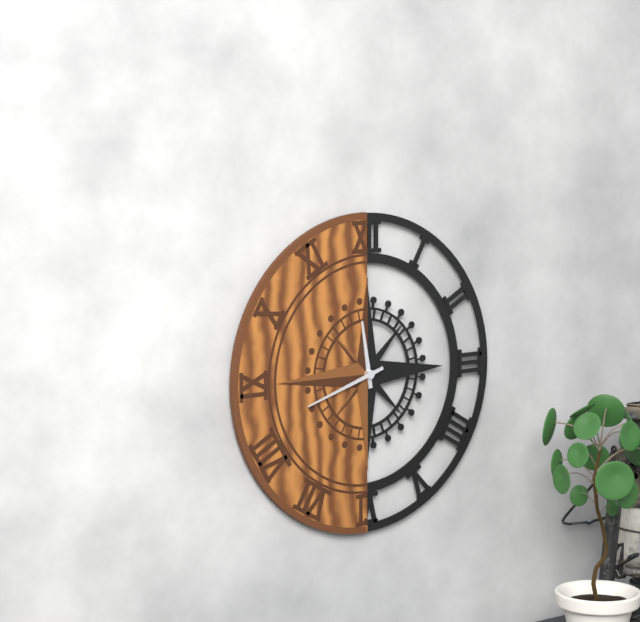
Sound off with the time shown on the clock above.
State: 11:42
